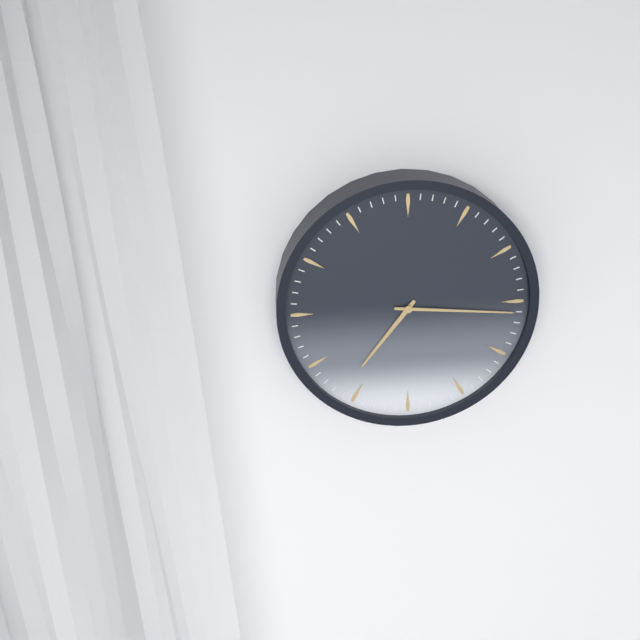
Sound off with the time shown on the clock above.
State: 7:16
